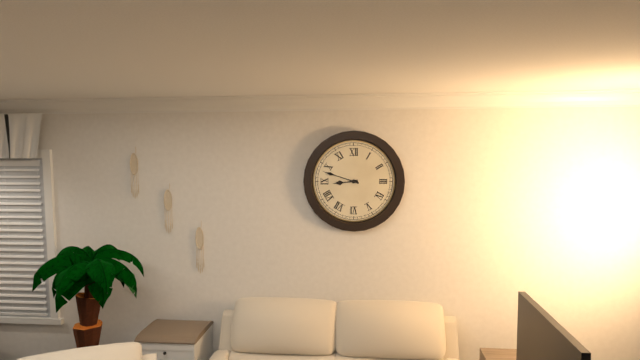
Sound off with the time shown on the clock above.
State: 8:48
